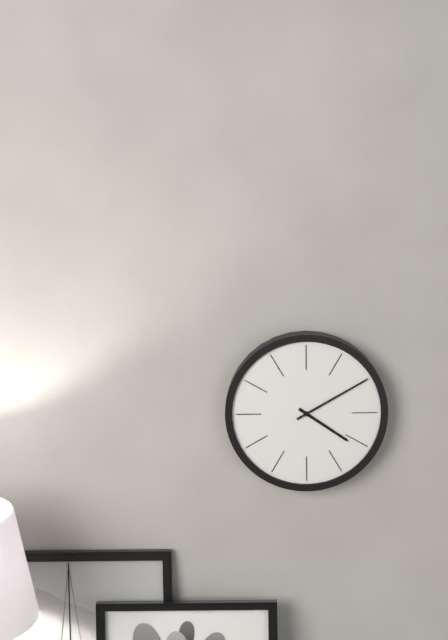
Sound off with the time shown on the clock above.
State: 4:10
